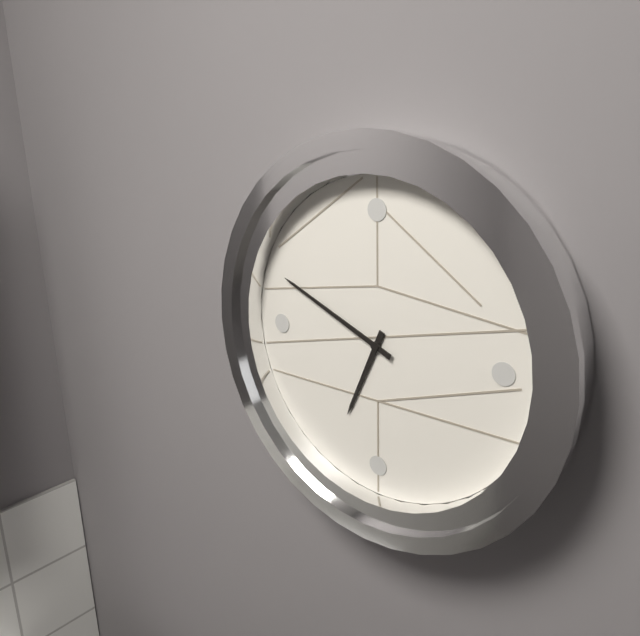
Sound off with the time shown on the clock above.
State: 6:49
